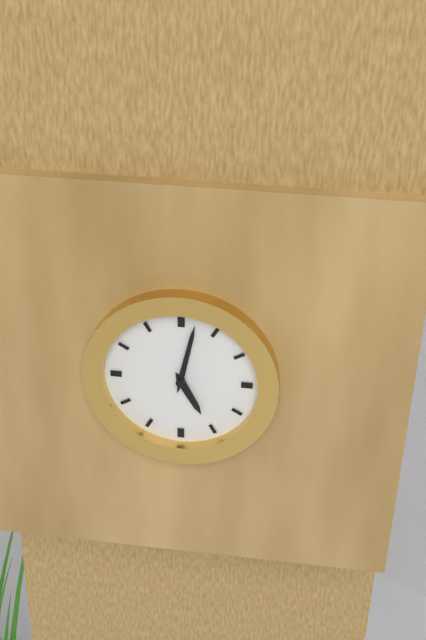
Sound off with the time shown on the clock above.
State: 5:02
